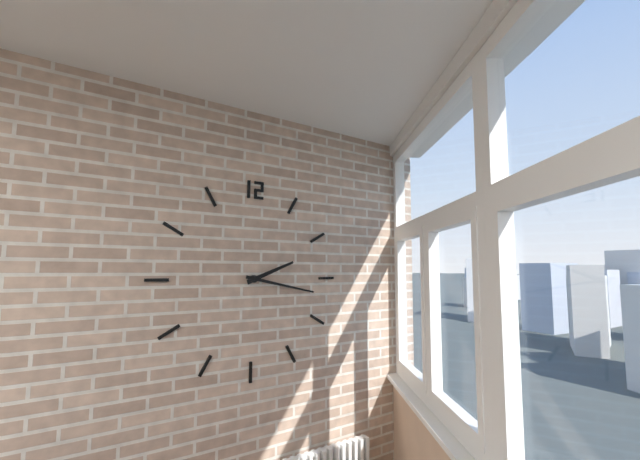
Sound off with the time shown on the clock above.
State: 2:17
